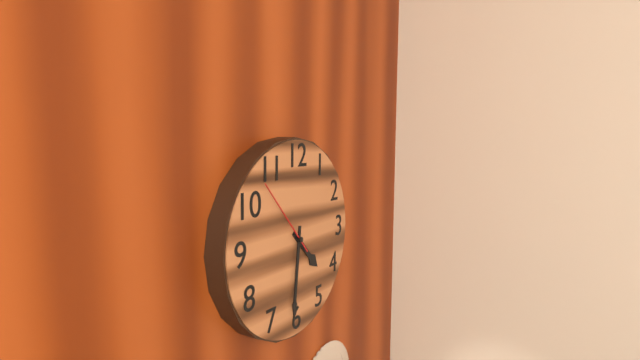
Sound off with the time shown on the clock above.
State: 4:31:53
